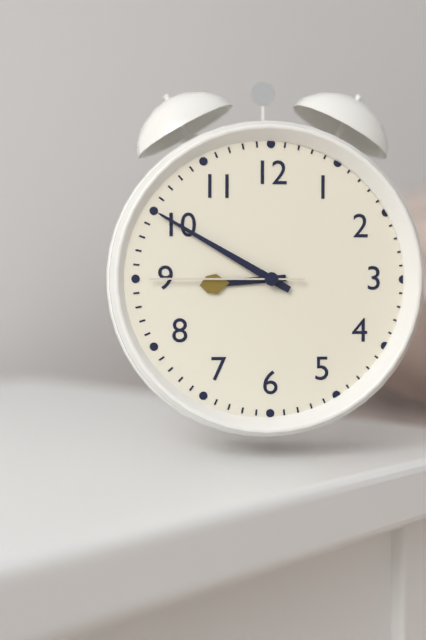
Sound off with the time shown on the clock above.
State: 8:50:45
